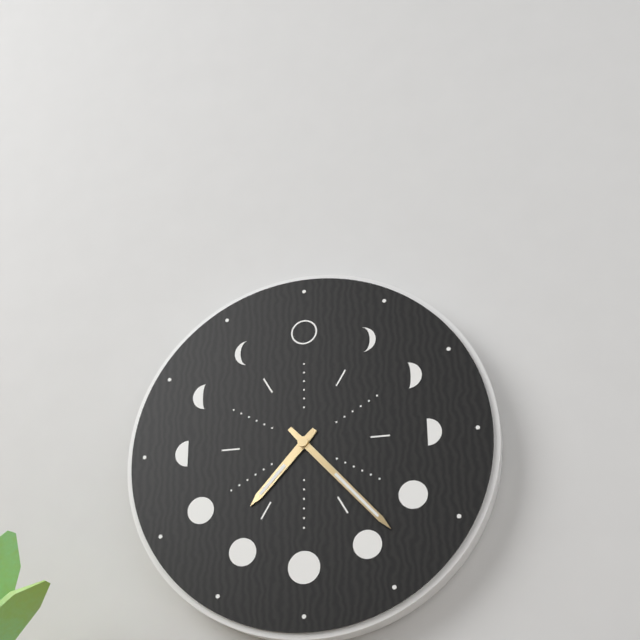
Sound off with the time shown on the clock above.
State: 7:23
